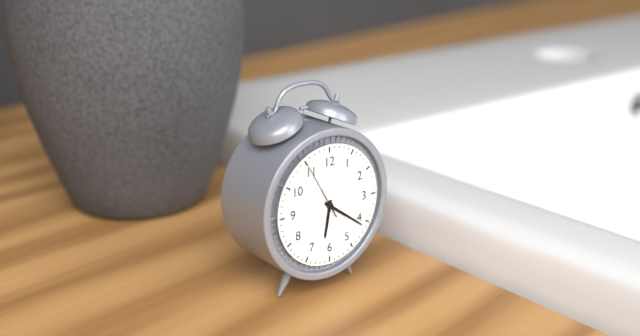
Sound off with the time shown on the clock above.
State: 6:21:55
